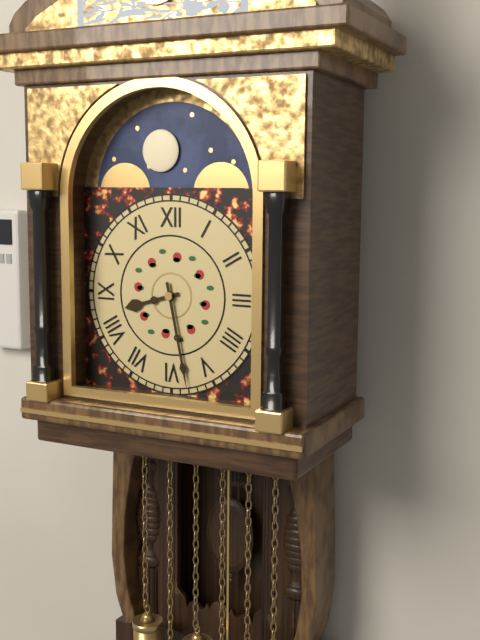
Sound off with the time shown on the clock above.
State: 8:28
